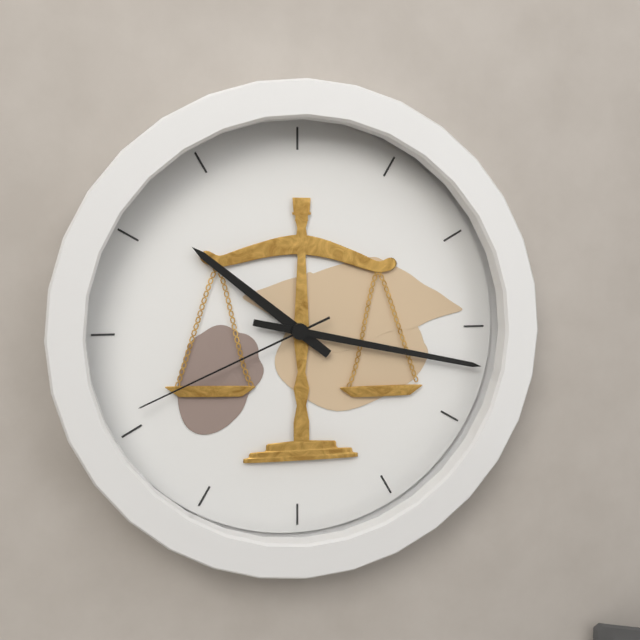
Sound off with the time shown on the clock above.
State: 10:17:41
